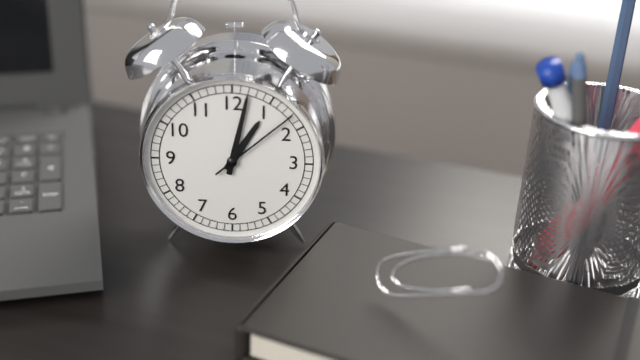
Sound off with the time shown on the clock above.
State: 1:02:08
